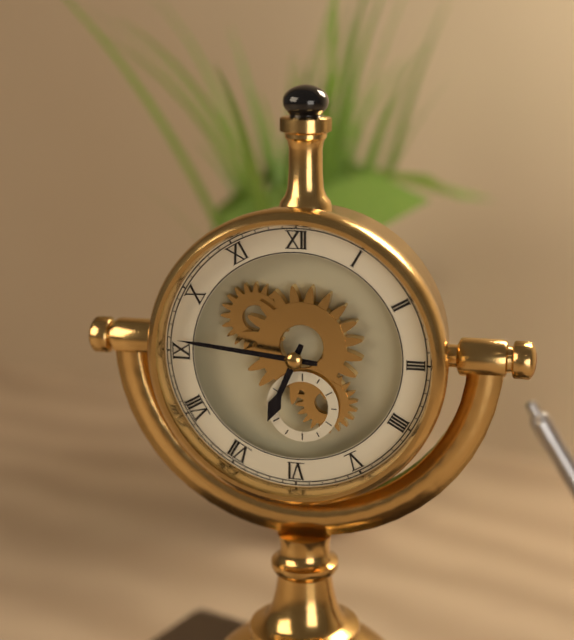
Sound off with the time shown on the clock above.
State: 6:46
